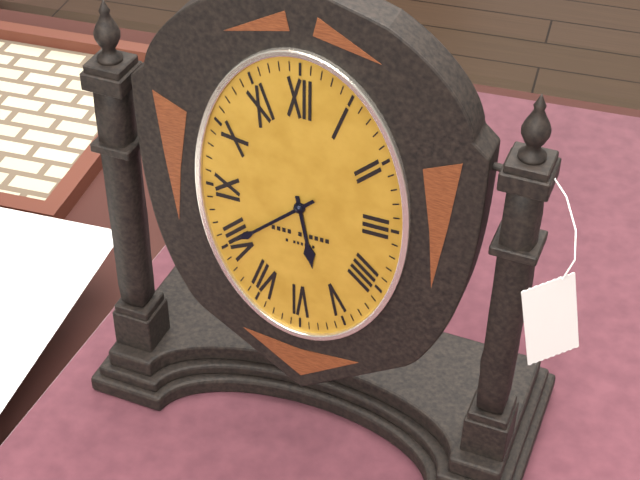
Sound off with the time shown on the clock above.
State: 5:38
